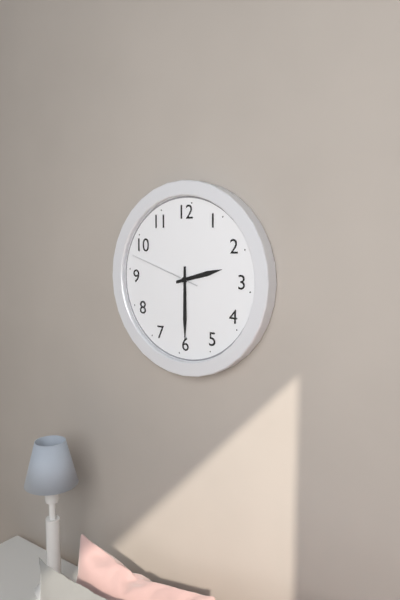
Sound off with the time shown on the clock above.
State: 2:30:48
